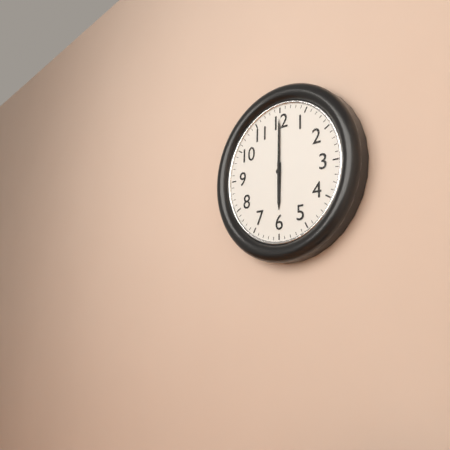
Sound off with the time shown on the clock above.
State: 6:00
